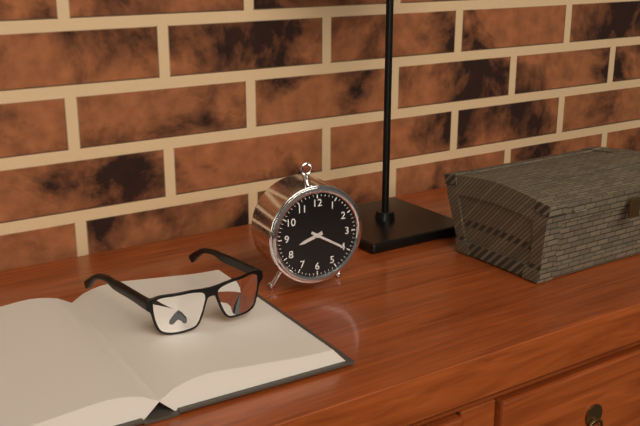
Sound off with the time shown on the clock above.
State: 8:20
